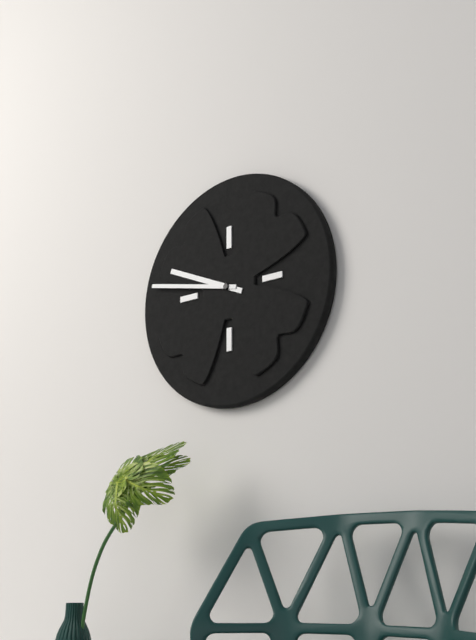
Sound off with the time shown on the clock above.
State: 9:47
